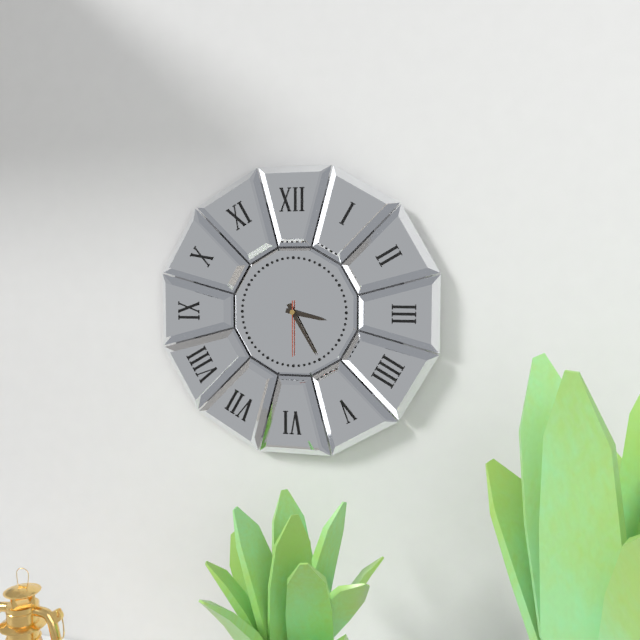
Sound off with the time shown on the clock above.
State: 3:25:30
